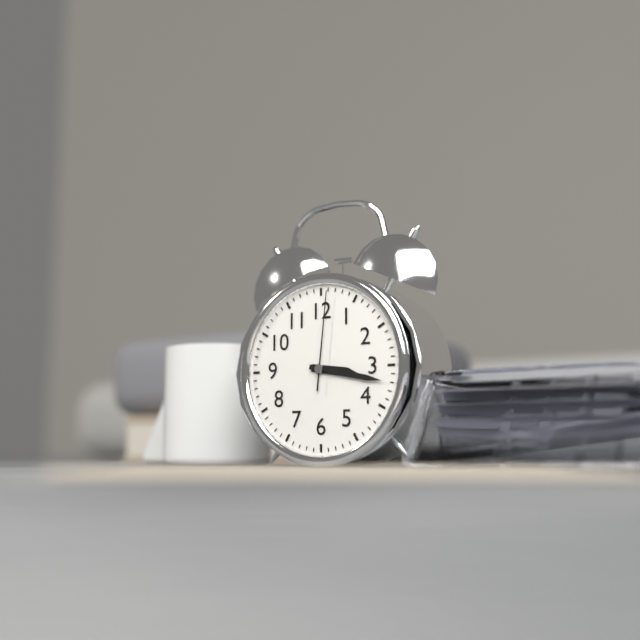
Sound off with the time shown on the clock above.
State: 3:17:01
